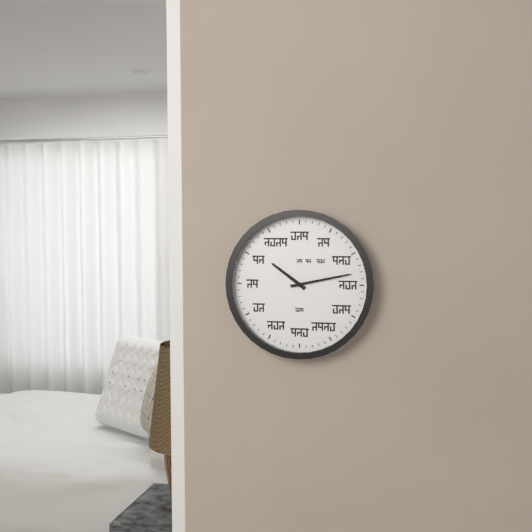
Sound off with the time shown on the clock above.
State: 10:13
